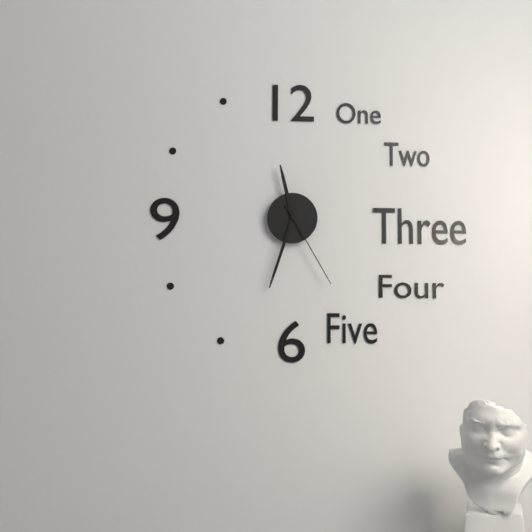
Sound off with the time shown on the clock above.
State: 11:33:25
